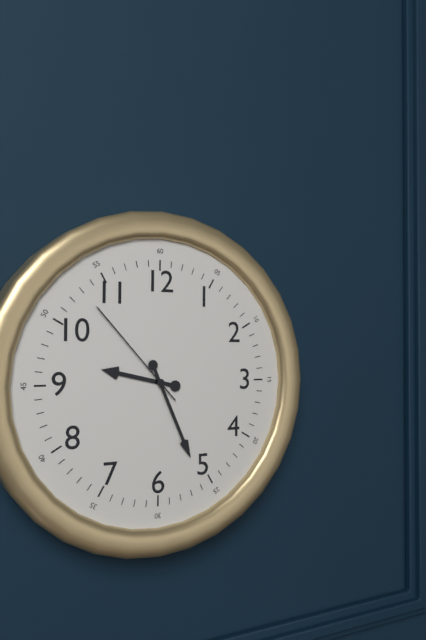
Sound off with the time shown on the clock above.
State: 9:26:53
